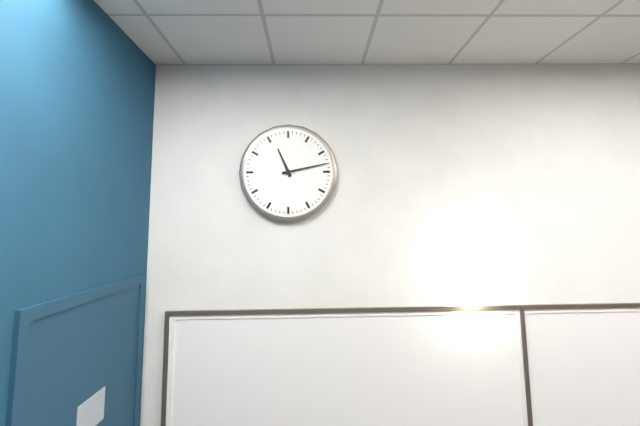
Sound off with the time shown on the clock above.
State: 11:13
